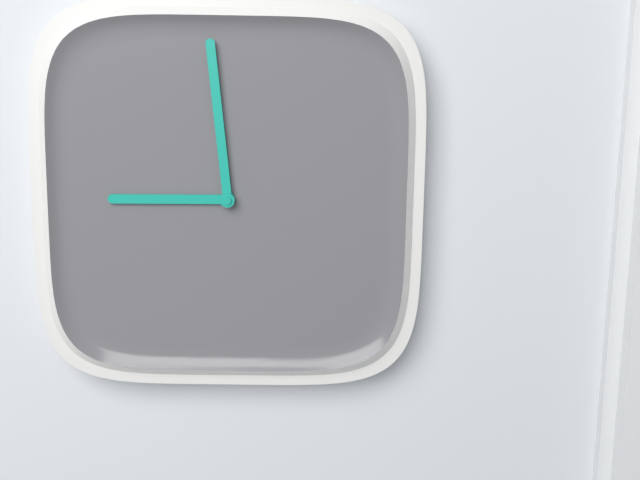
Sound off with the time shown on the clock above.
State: 8:59
